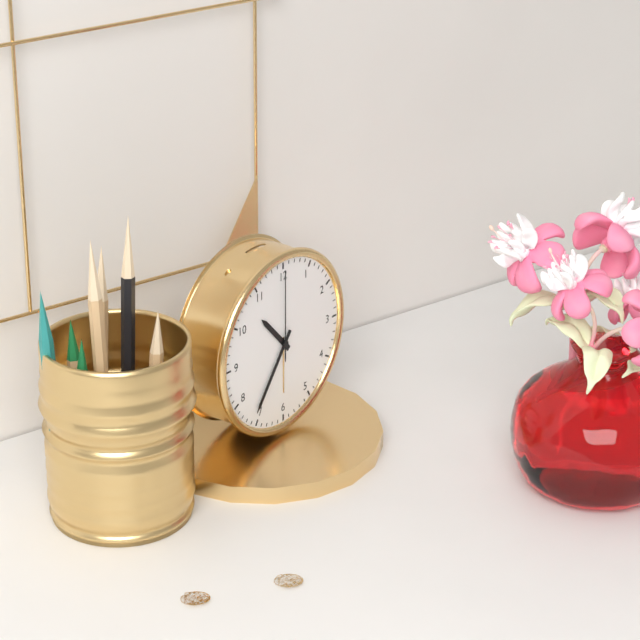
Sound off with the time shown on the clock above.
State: 10:36:00
